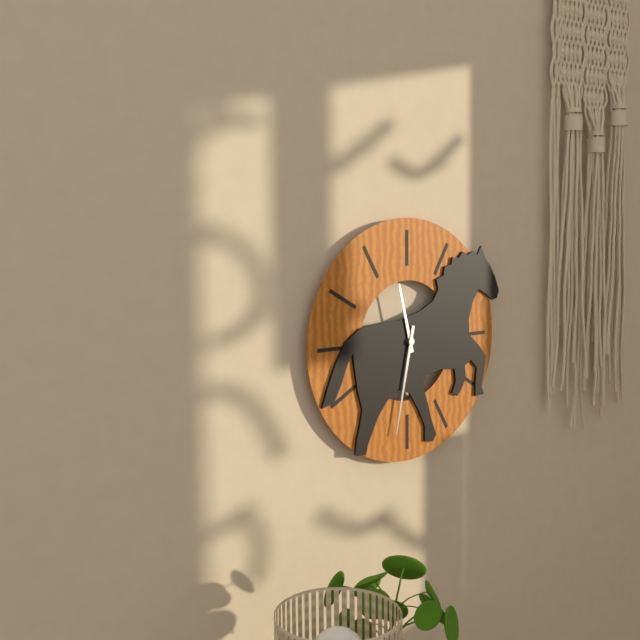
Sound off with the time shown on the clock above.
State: 11:32
